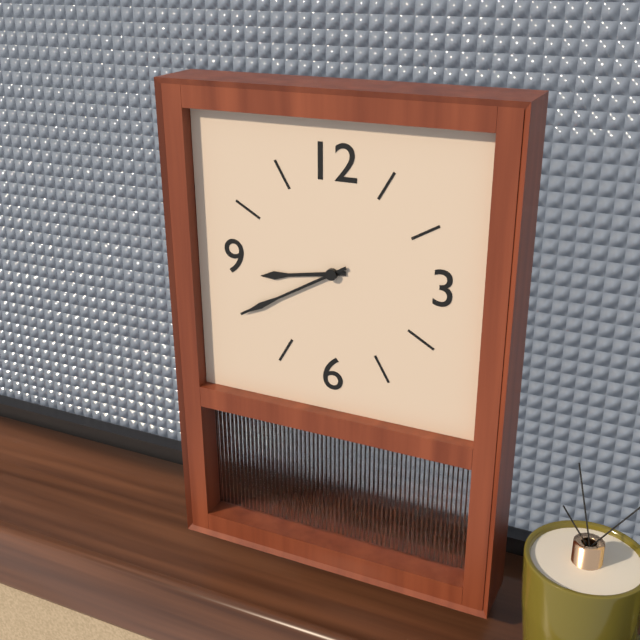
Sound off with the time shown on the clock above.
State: 8:40
